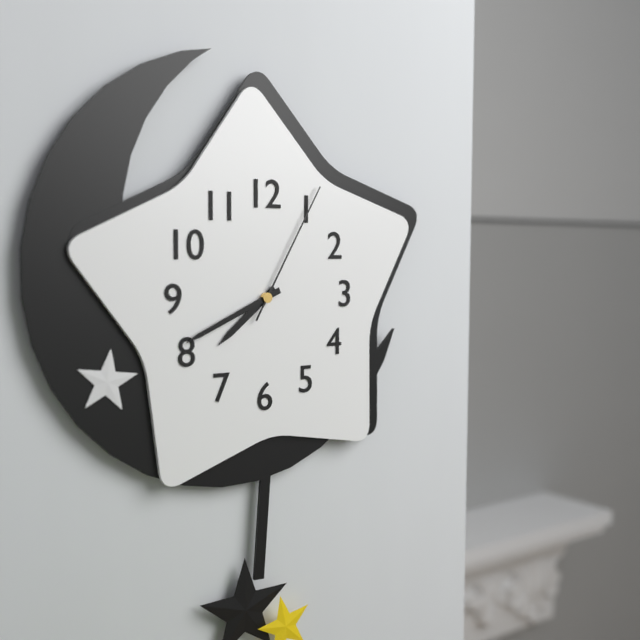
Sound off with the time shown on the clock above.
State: 7:41:05
